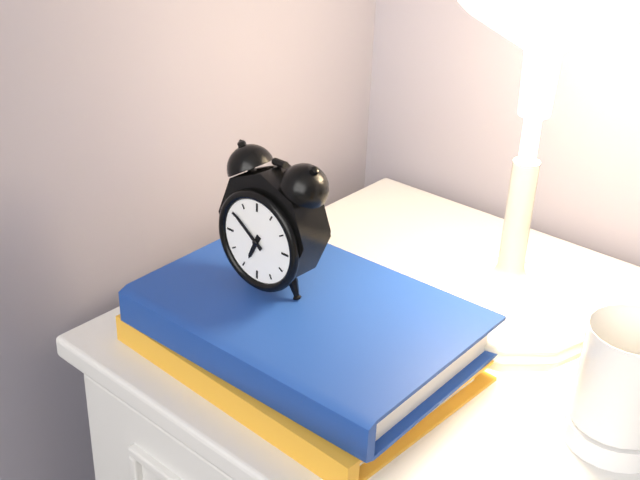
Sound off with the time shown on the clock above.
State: 6:51
